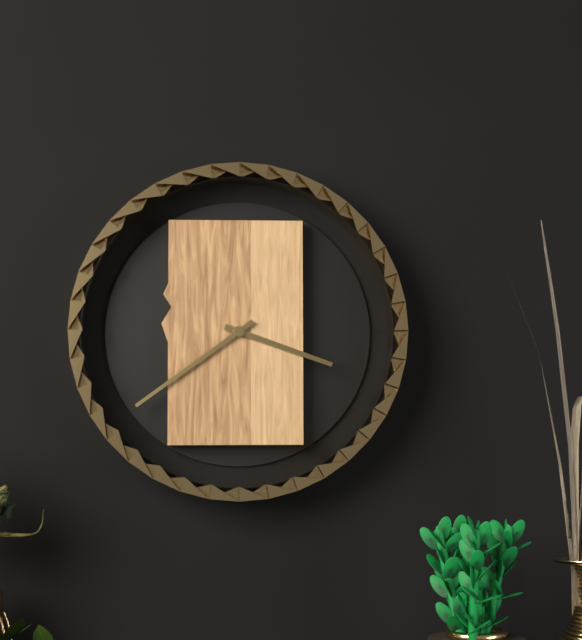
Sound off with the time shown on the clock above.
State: 3:39
